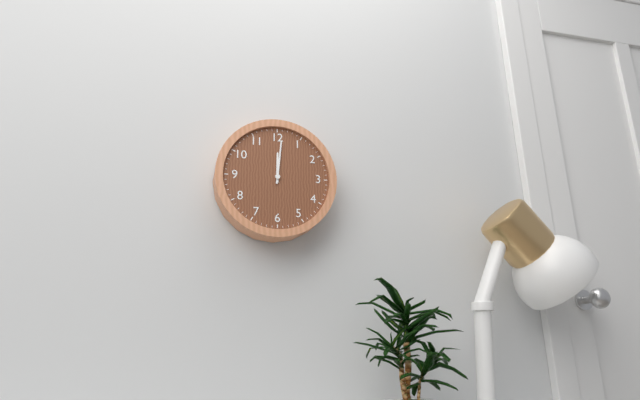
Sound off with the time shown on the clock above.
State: 12:01
